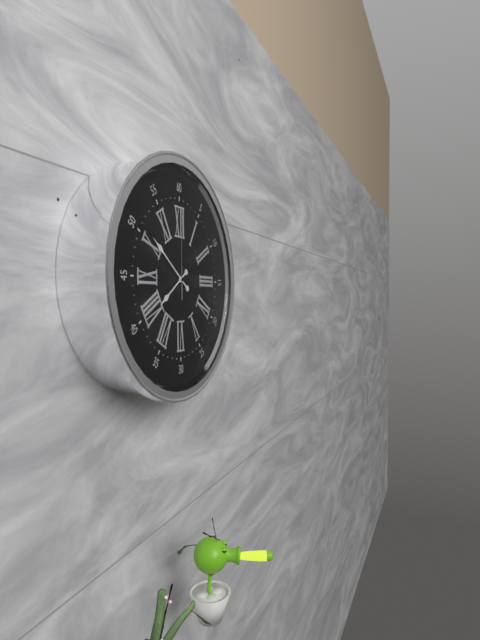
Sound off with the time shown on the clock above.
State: 7:51:00
